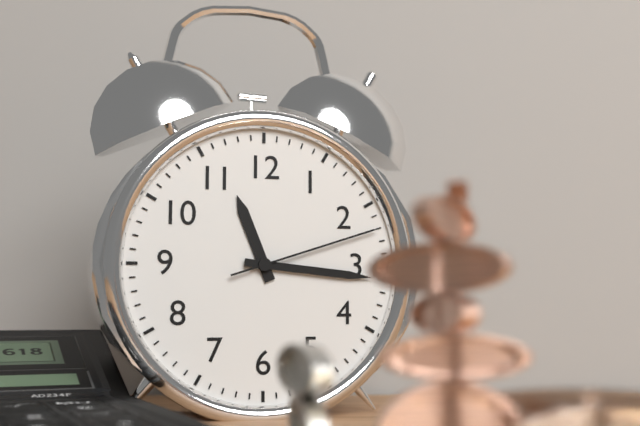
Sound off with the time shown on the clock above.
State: 11:16:12
